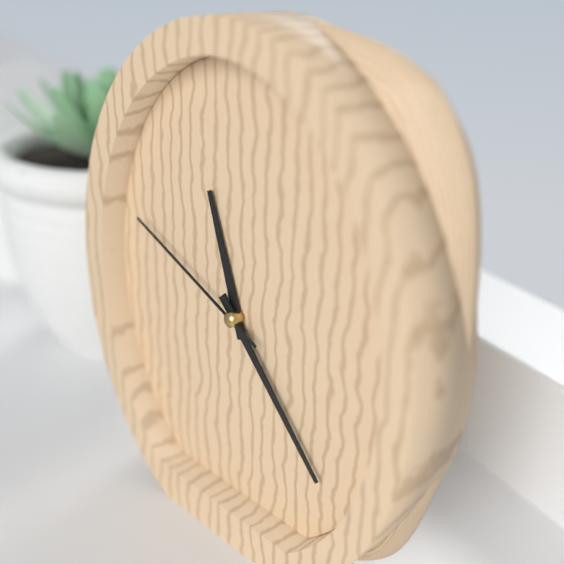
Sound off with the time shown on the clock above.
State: 11:23:49
